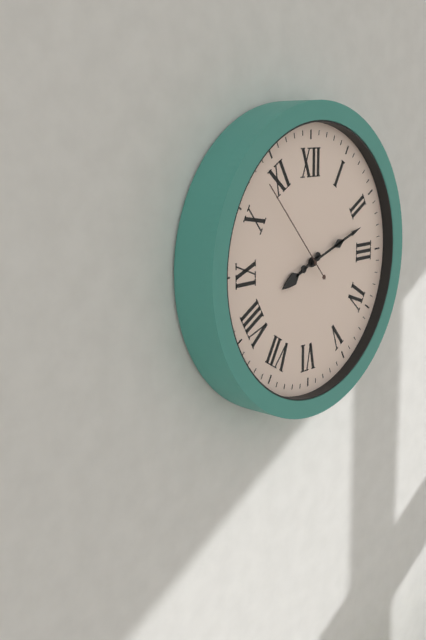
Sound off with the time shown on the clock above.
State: 8:12:53
